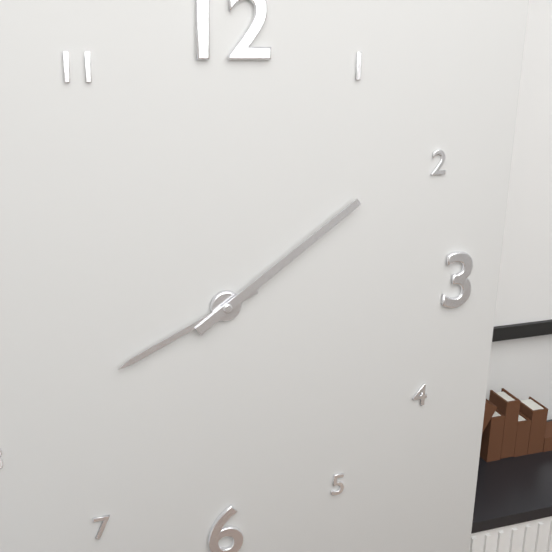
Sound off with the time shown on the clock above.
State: 8:09
